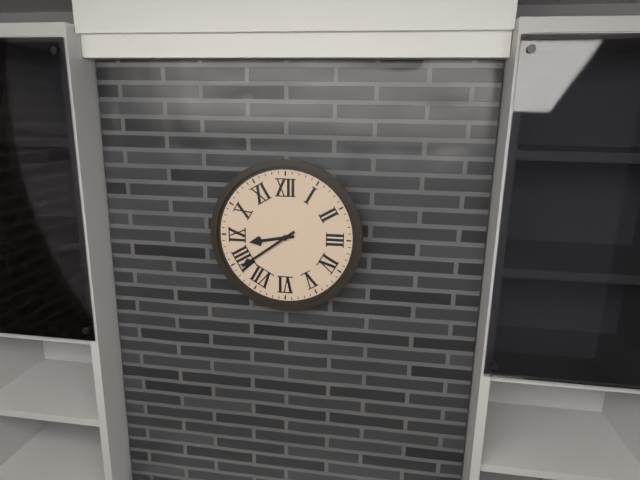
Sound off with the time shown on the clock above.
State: 8:39
